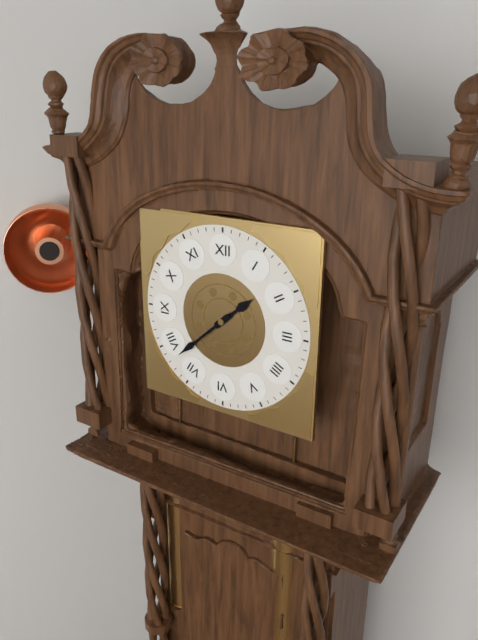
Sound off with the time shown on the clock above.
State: 1:38
